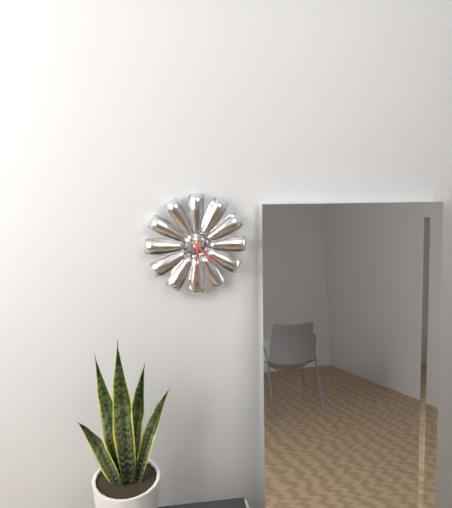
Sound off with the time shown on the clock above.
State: 4:31
